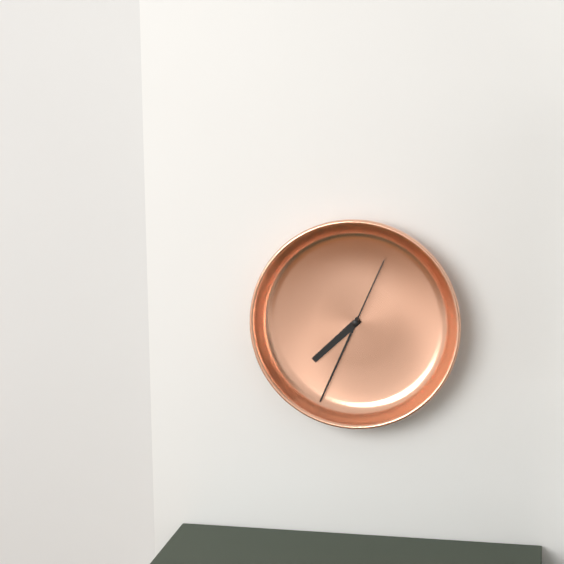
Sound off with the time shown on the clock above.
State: 7:34:04
